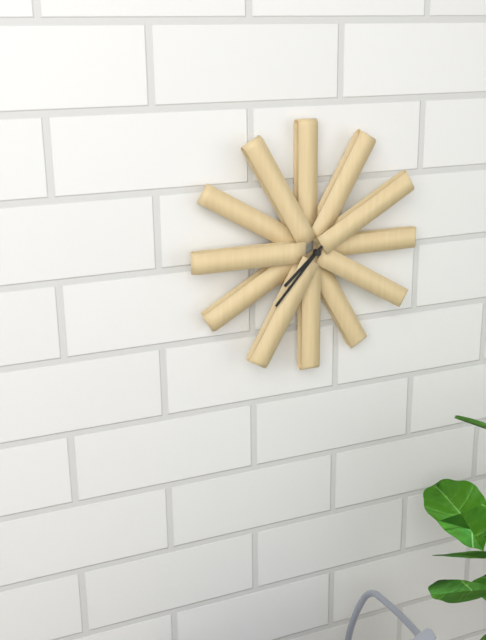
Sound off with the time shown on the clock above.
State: 7:37
